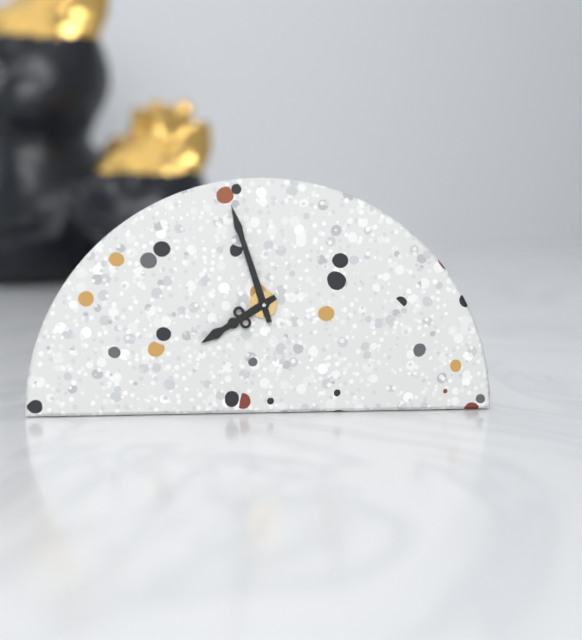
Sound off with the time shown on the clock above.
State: 7:57
